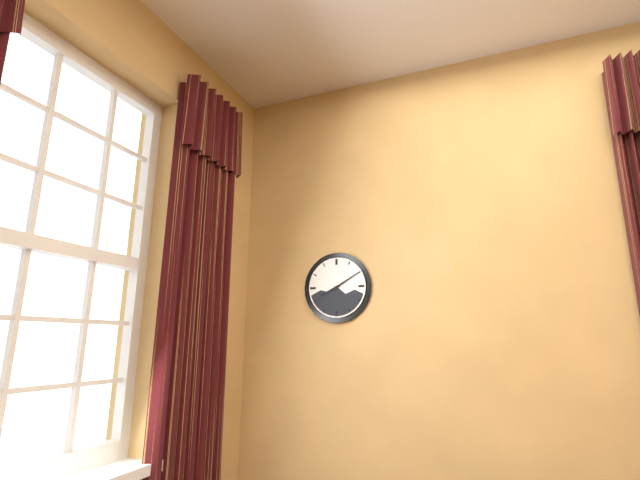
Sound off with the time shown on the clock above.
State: 8:10
